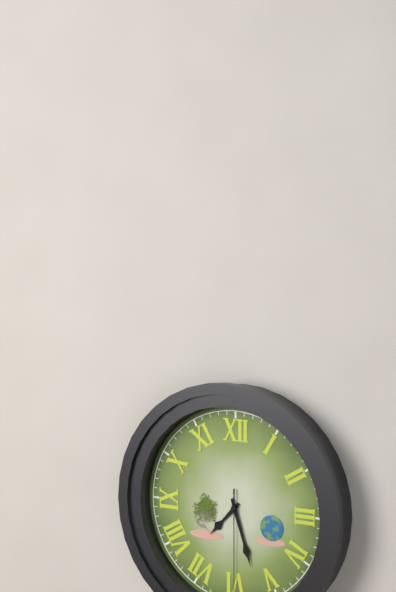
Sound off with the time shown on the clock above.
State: 7:27
